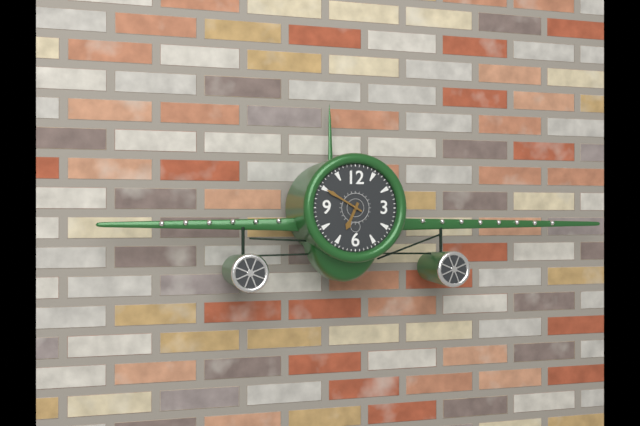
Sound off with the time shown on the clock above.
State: 6:50
